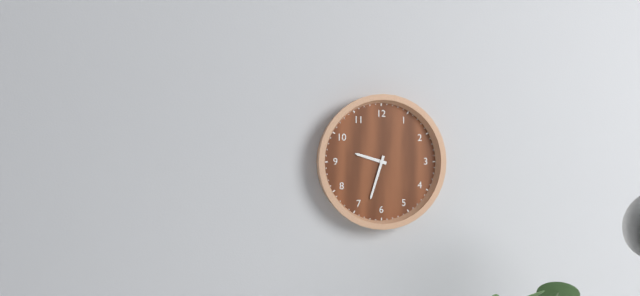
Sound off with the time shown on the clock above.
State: 9:33
